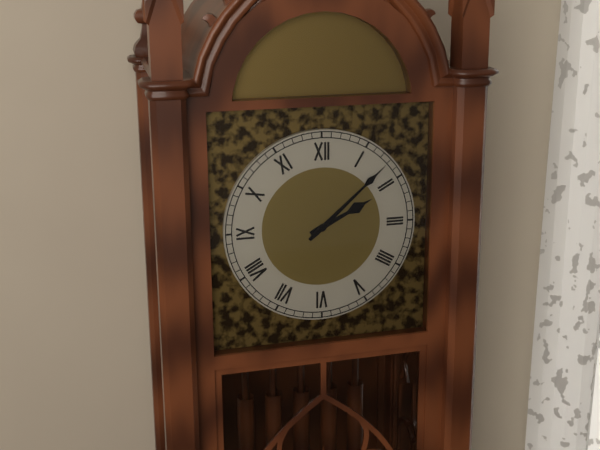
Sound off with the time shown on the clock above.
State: 2:08
